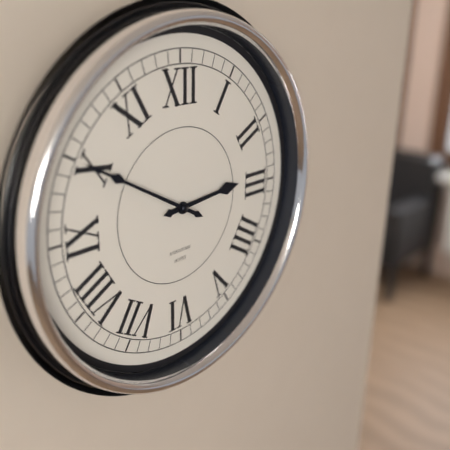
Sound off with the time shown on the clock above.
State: 2:50
